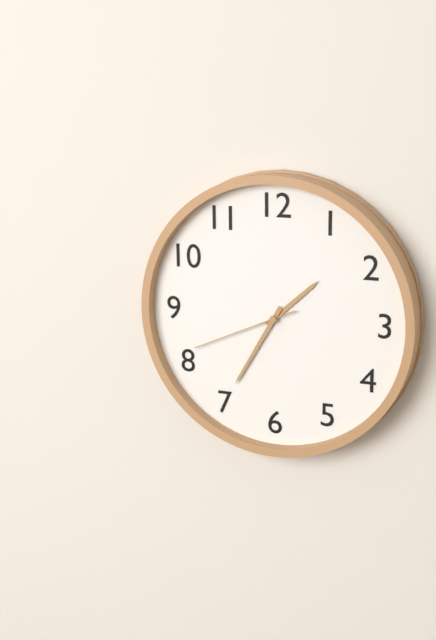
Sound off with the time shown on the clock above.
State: 1:35:41
